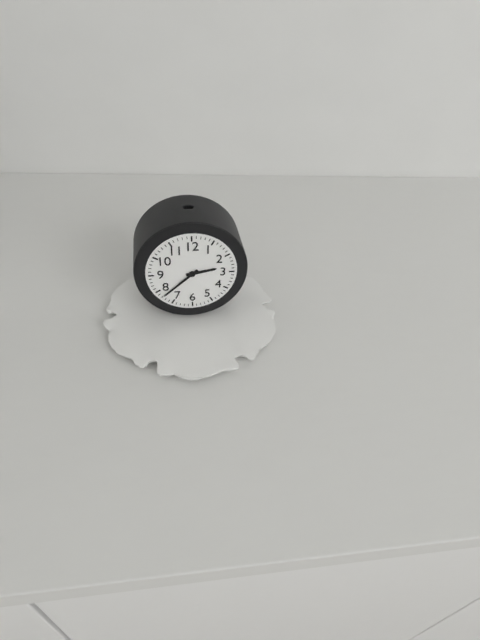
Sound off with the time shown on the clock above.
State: 2:38
